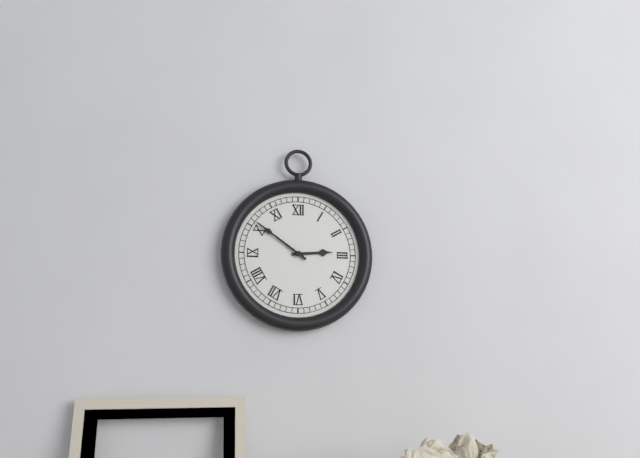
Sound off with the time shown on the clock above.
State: 2:51
